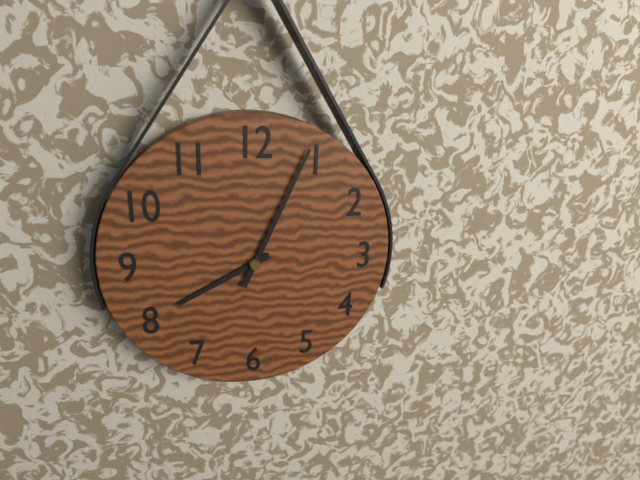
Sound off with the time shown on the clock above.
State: 8:04
